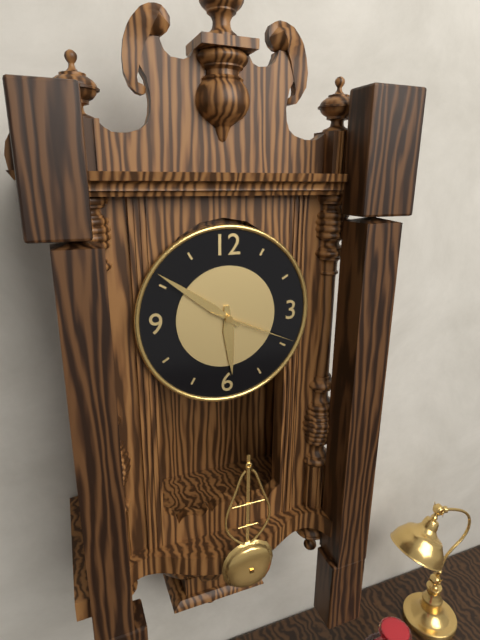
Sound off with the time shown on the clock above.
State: 5:51:19
